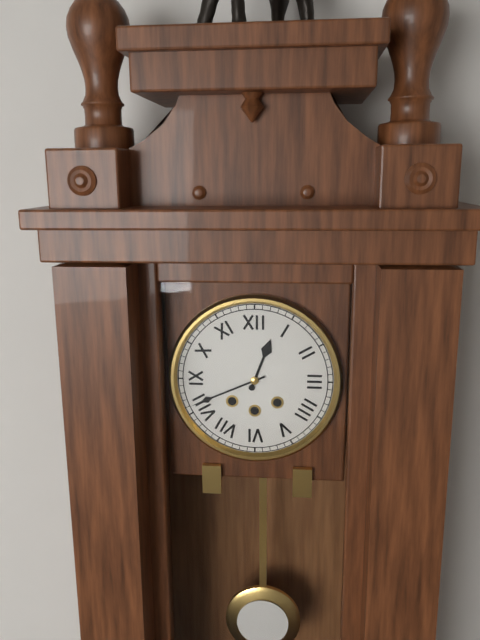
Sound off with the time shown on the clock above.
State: 12:41
